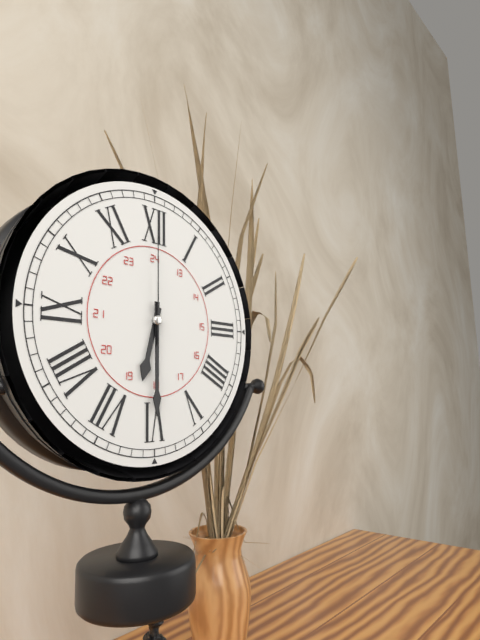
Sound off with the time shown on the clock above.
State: 6:30:00
